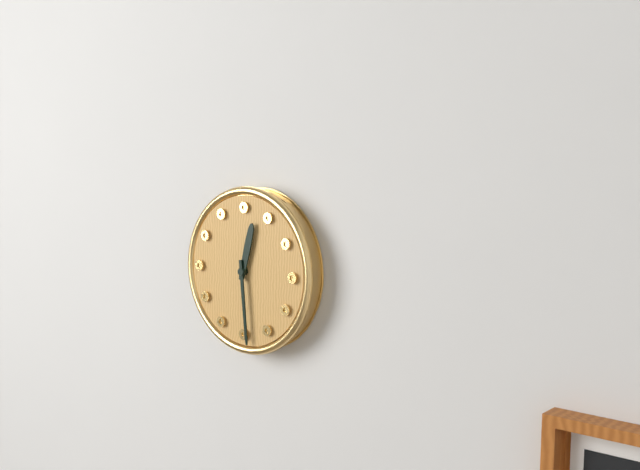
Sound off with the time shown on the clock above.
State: 12:29
